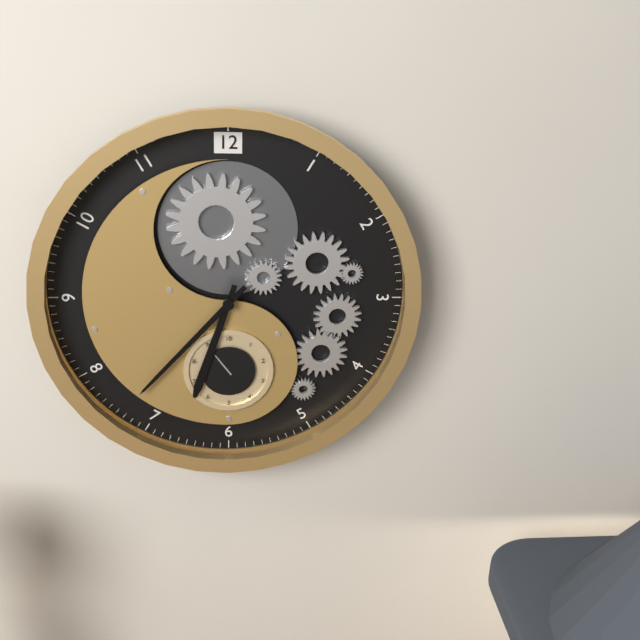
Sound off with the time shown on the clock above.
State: 6:37
